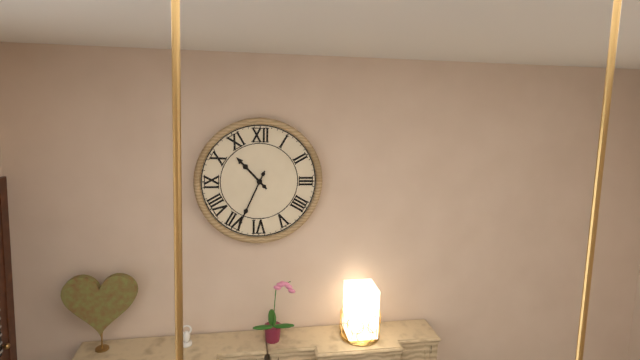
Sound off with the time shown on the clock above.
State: 10:34
